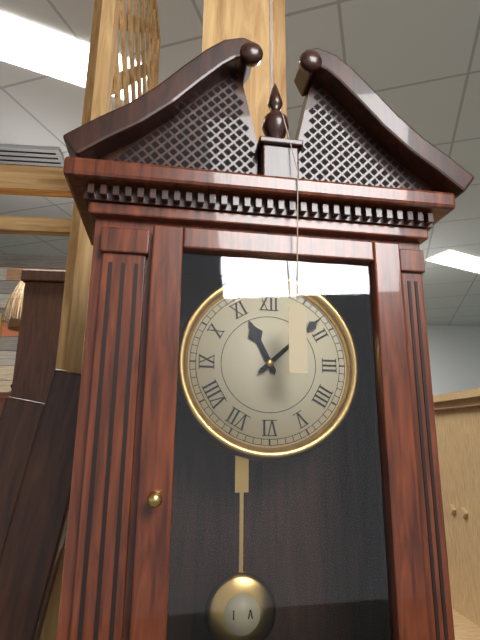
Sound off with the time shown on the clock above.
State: 11:08
